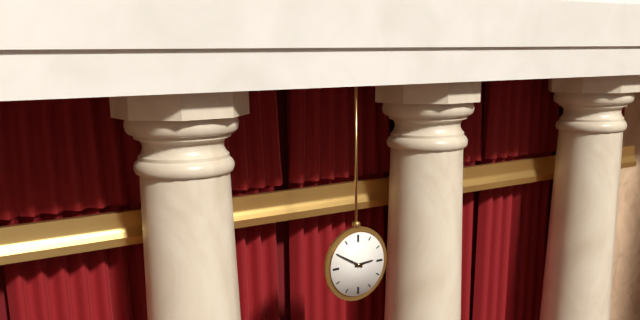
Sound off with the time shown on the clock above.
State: 2:50
